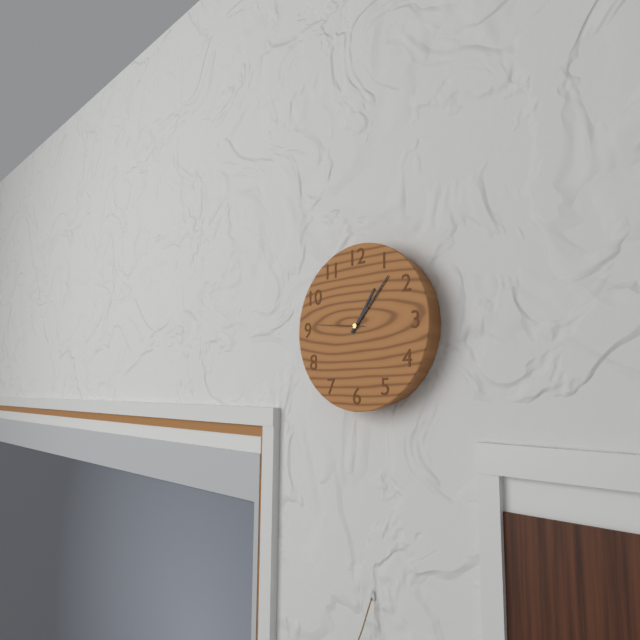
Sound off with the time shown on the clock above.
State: 1:07
